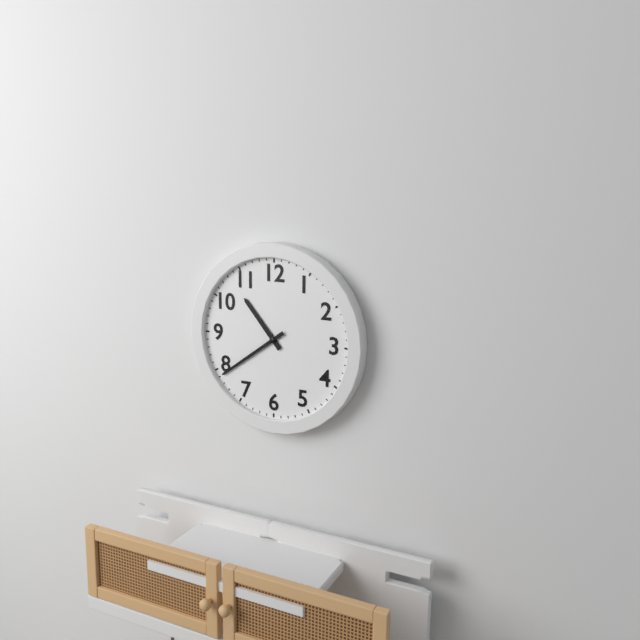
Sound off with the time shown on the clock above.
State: 10:39
